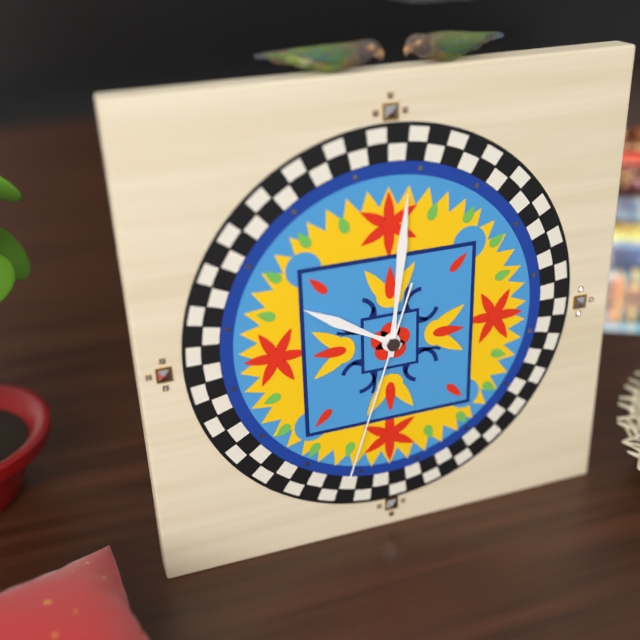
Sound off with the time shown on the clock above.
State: 10:01:33
